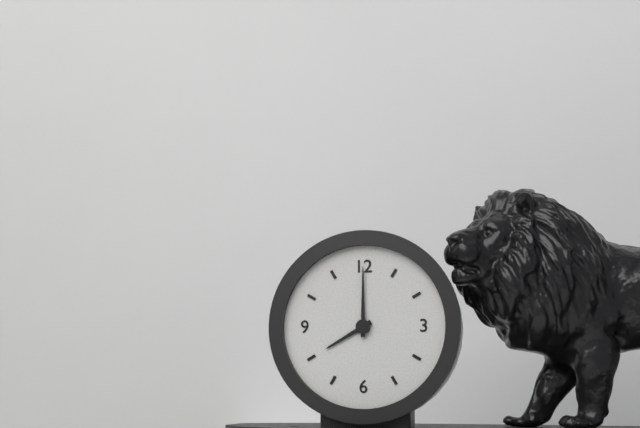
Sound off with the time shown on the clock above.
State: 8:00
